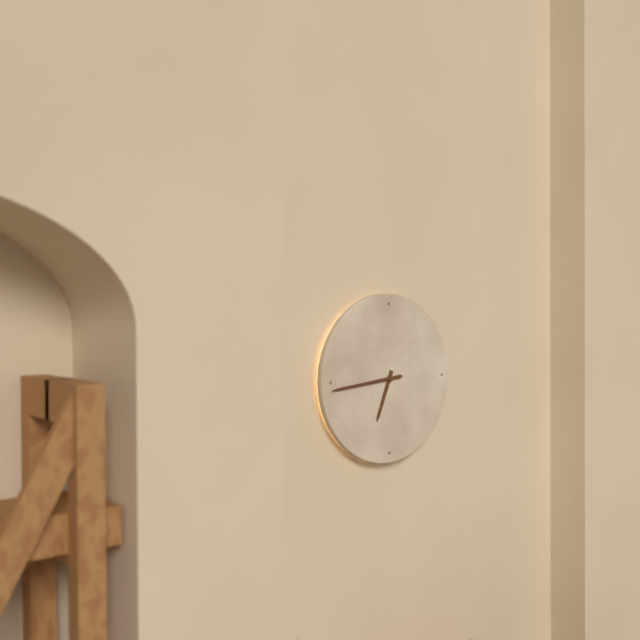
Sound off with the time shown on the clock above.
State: 6:44:44
